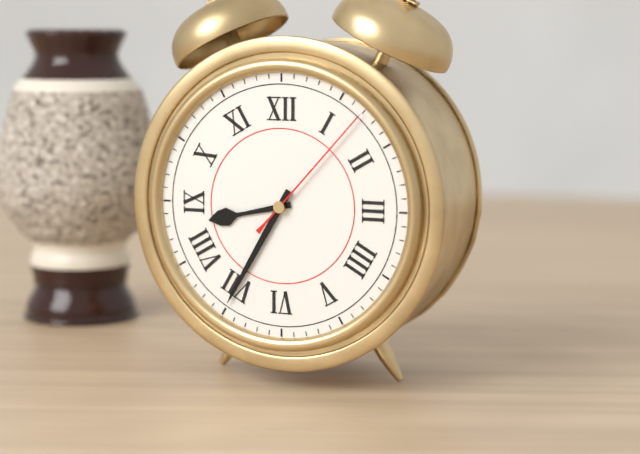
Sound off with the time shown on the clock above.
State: 8:35:07
